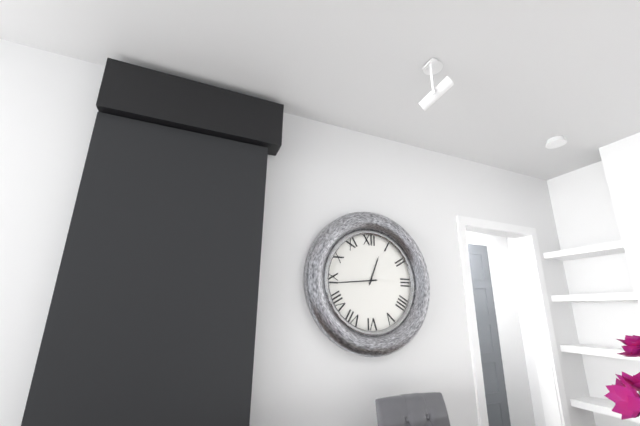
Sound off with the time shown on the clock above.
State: 12:44
